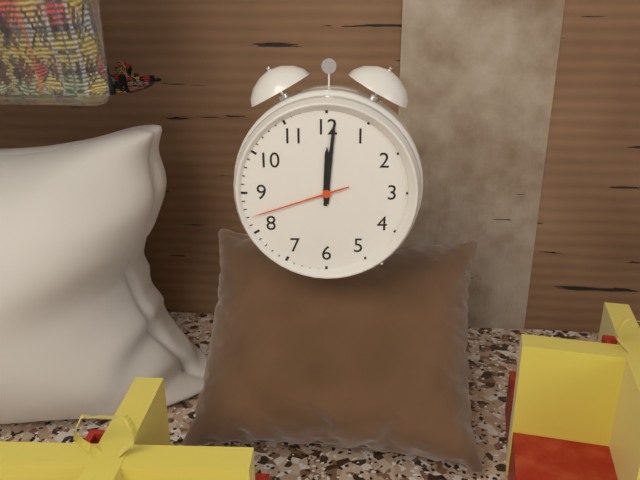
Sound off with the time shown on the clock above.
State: 12:01:42
